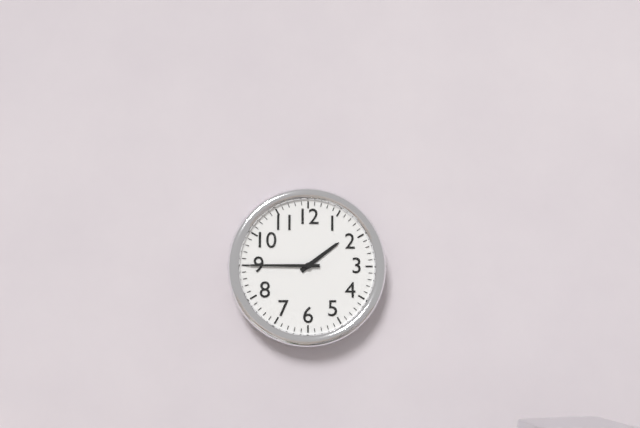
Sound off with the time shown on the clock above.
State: 1:45
